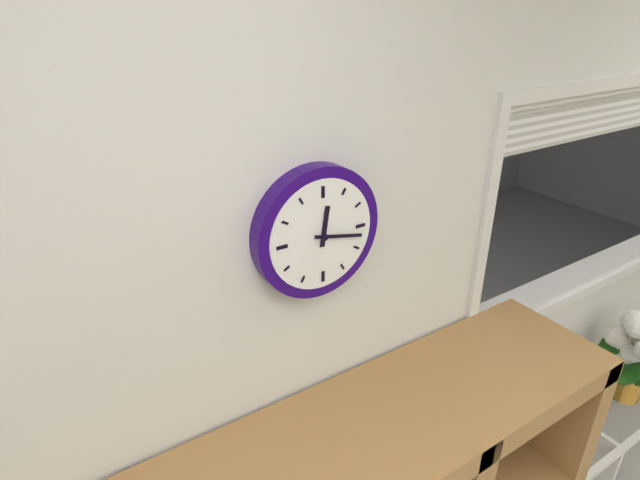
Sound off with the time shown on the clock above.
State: 12:17
